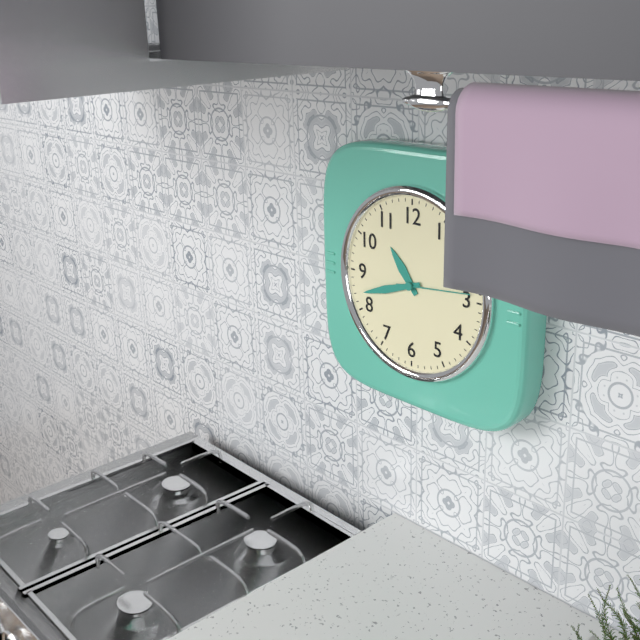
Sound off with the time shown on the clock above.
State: 10:42:14
